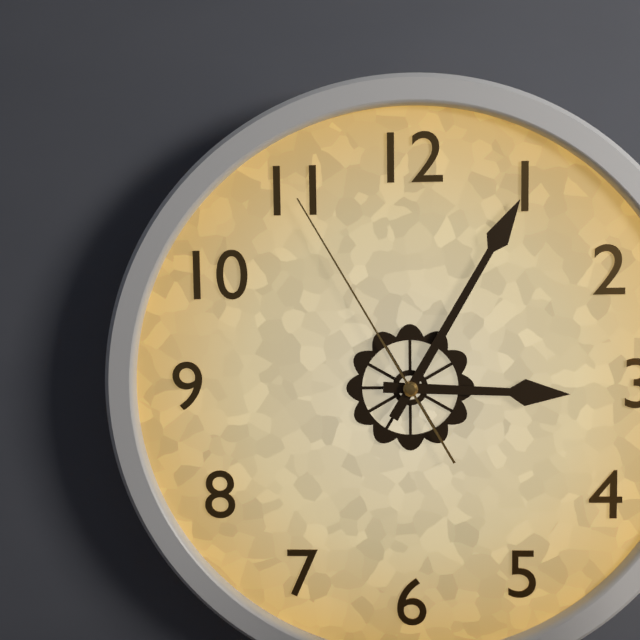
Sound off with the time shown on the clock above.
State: 3:05:55
